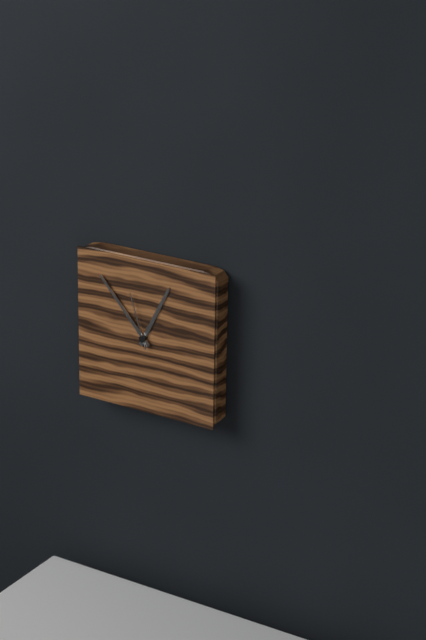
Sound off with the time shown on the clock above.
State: 12:53:57
